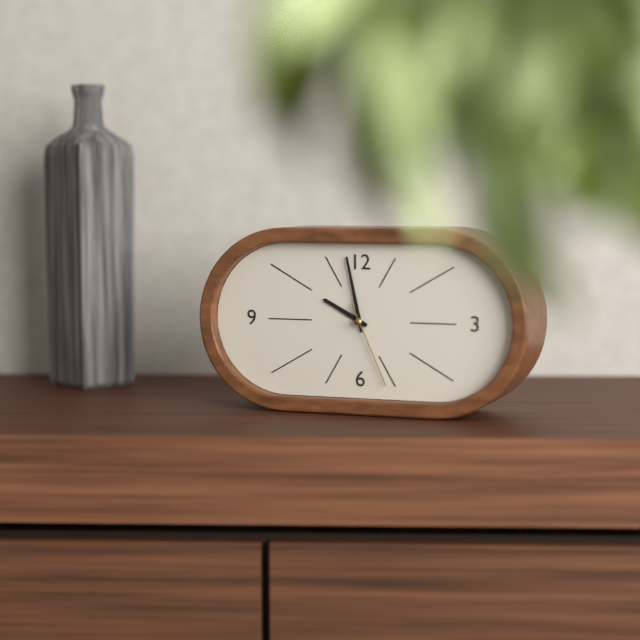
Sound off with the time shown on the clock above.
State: 9:58:26
